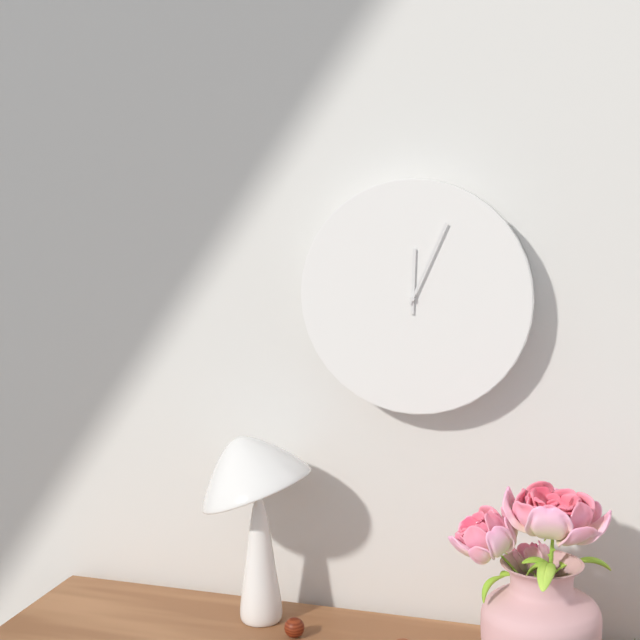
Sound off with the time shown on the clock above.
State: 12:04
